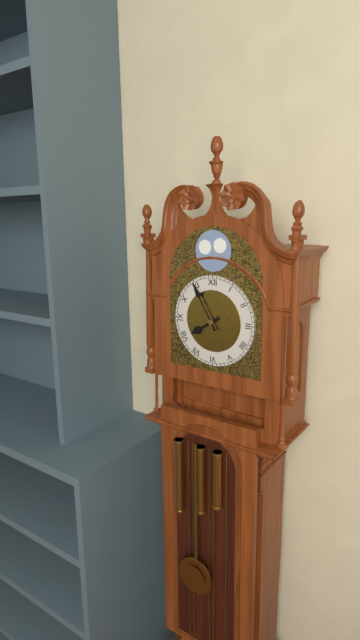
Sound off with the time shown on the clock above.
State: 7:55
